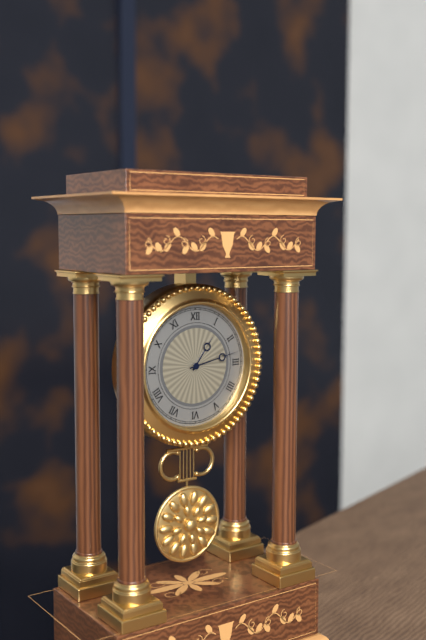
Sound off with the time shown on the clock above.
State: 1:13
